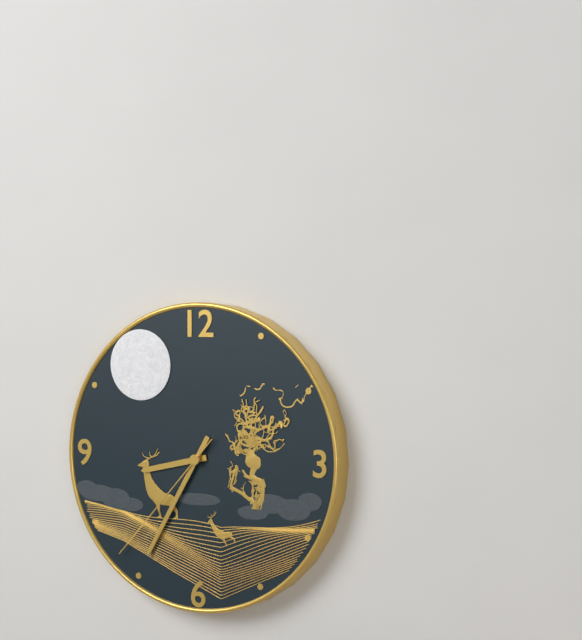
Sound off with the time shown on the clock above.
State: 8:35:37
